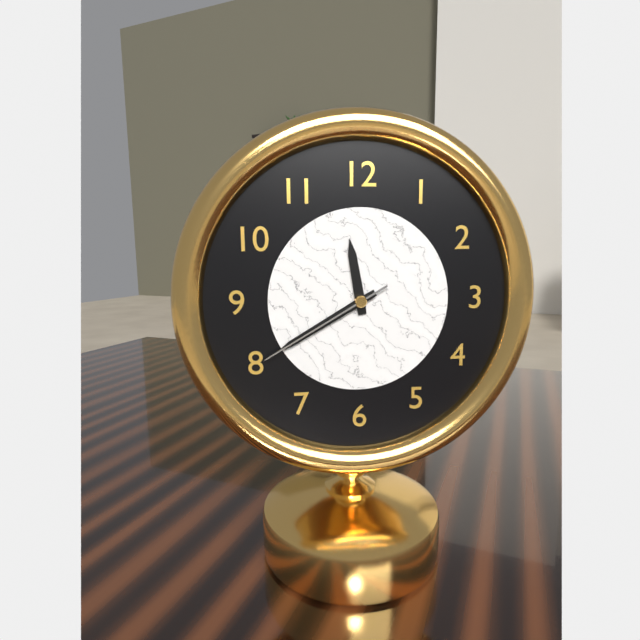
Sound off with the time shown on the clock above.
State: 11:40:40
